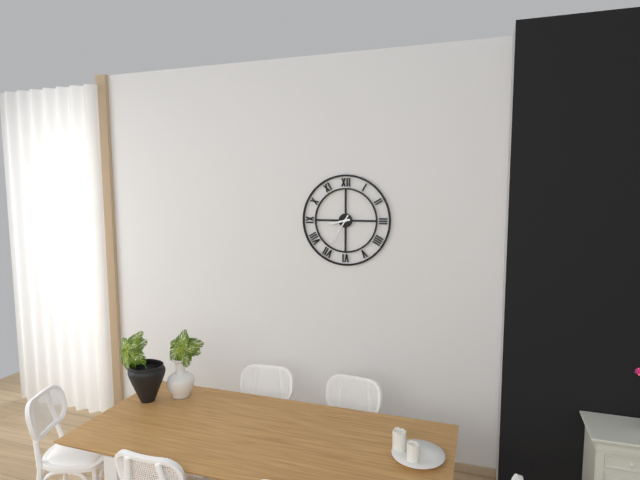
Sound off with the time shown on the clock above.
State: 8:35
